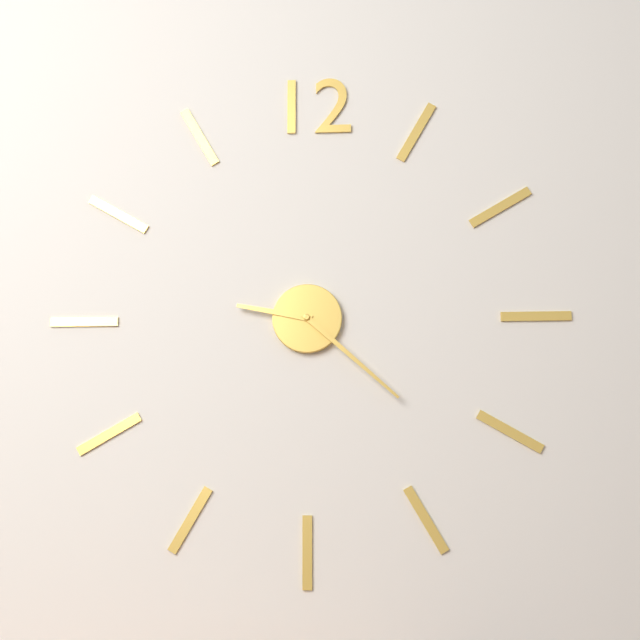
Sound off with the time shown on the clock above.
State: 9:22
